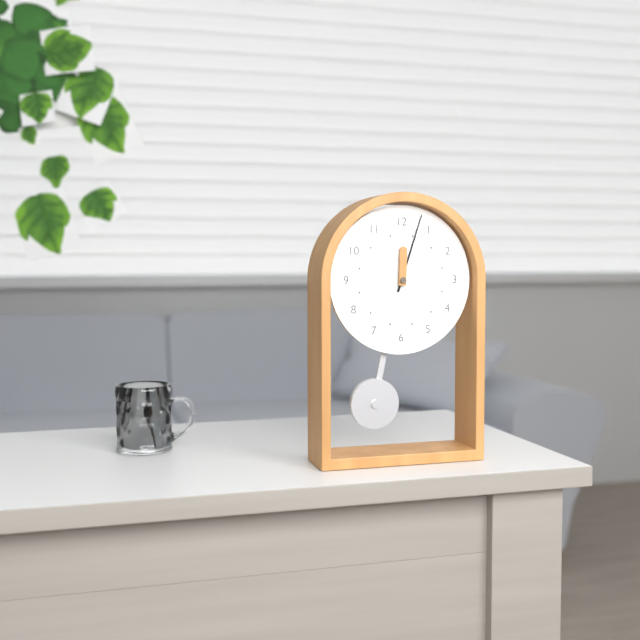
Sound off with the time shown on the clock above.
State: 12:03
